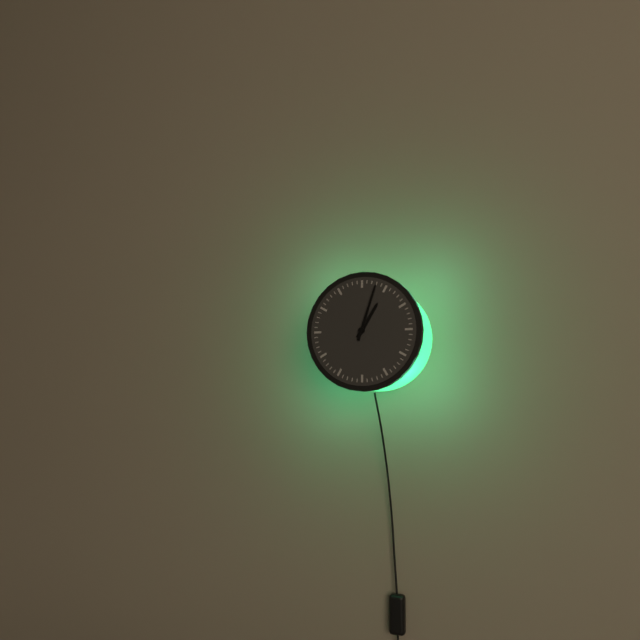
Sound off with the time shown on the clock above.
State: 1:03
